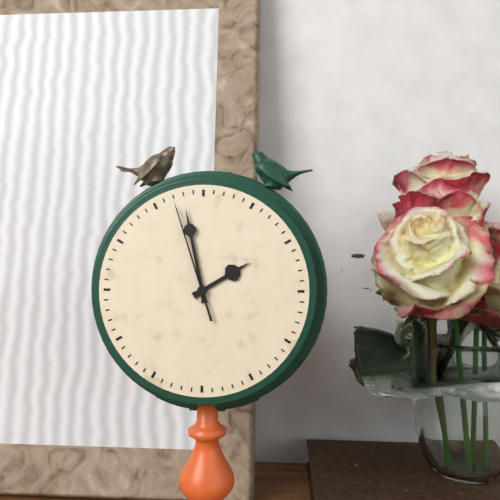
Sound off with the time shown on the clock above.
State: 1:58:57
